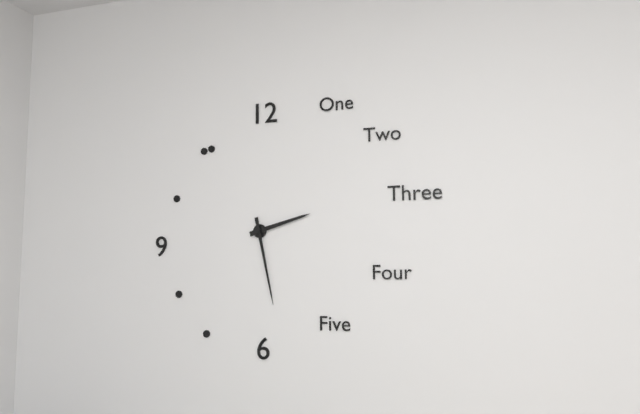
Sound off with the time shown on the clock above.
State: 2:28
